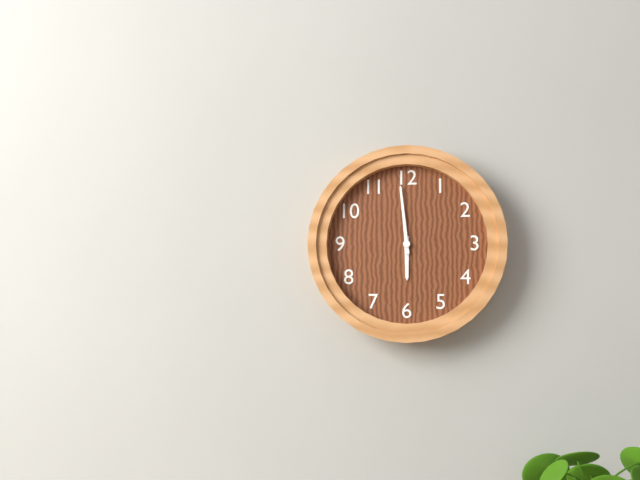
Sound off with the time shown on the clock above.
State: 5:59
